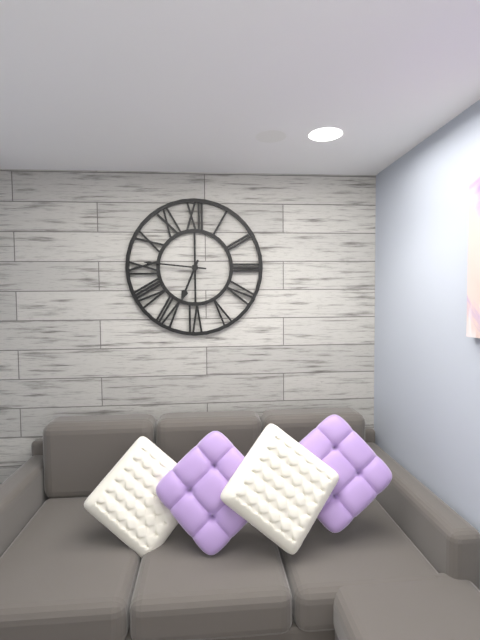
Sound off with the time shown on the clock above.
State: 6:46
